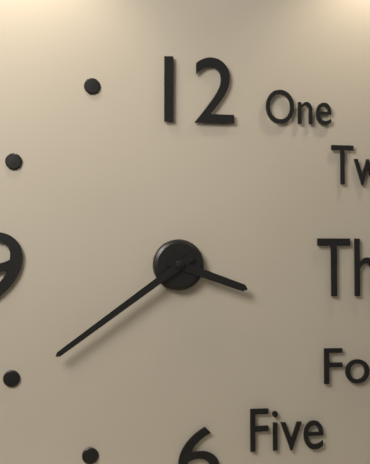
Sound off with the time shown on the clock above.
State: 3:39
